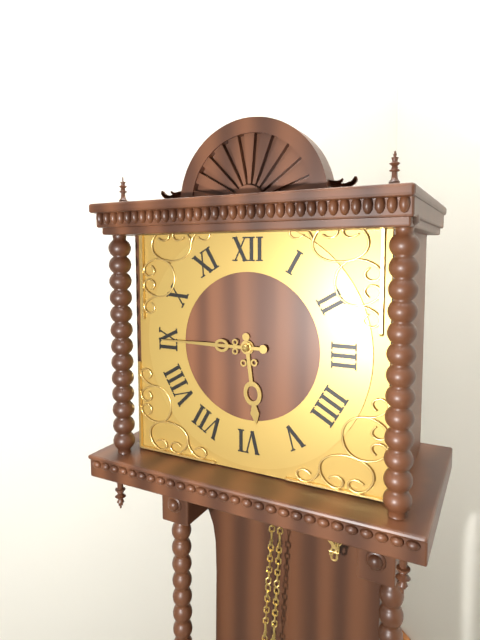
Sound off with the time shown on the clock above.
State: 5:45
